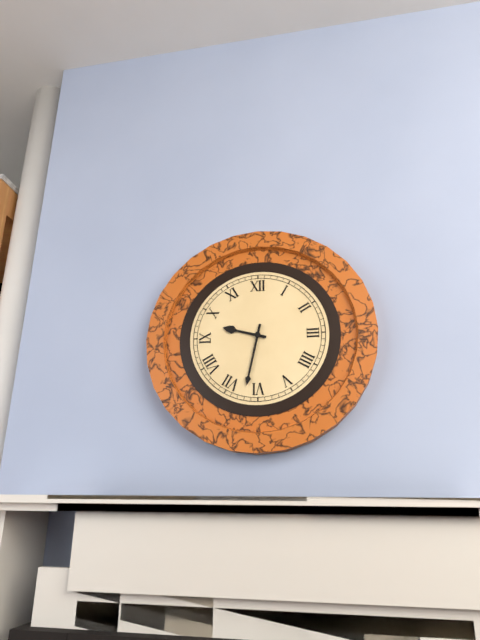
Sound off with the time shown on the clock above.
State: 9:32
